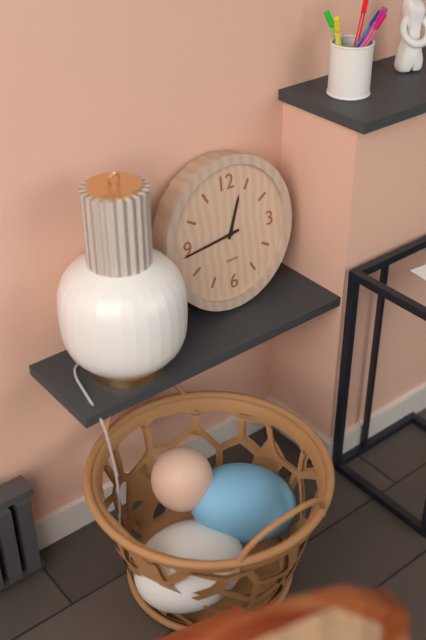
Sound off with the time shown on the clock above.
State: 12:44
